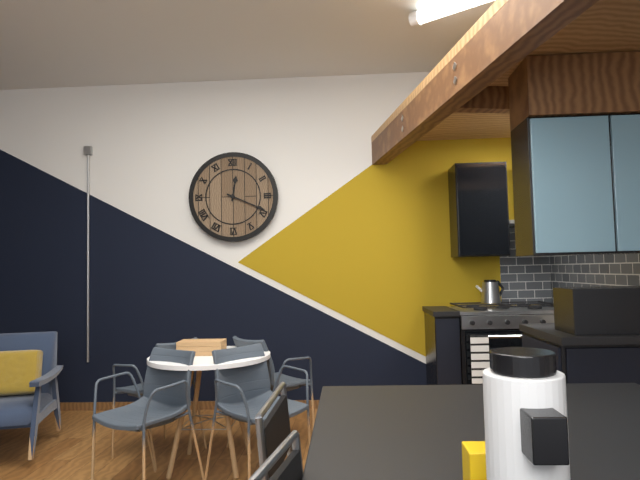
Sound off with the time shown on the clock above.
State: 12:19
